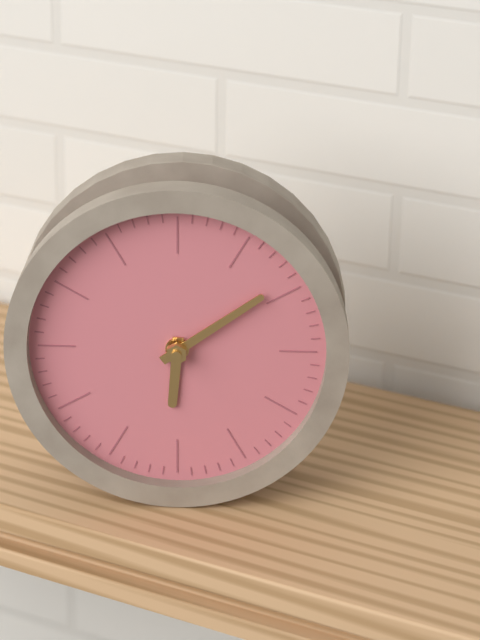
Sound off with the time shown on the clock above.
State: 6:09
